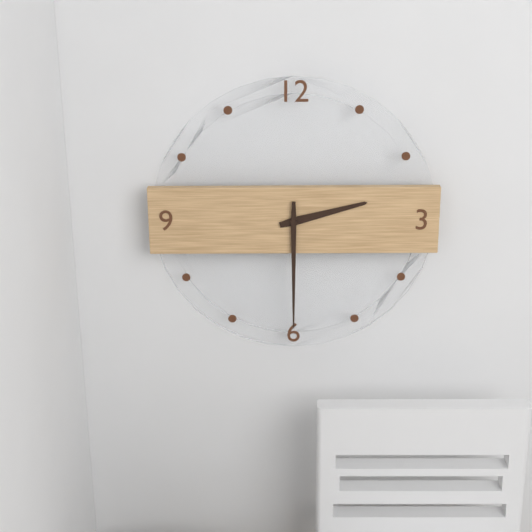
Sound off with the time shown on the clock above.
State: 2:30
